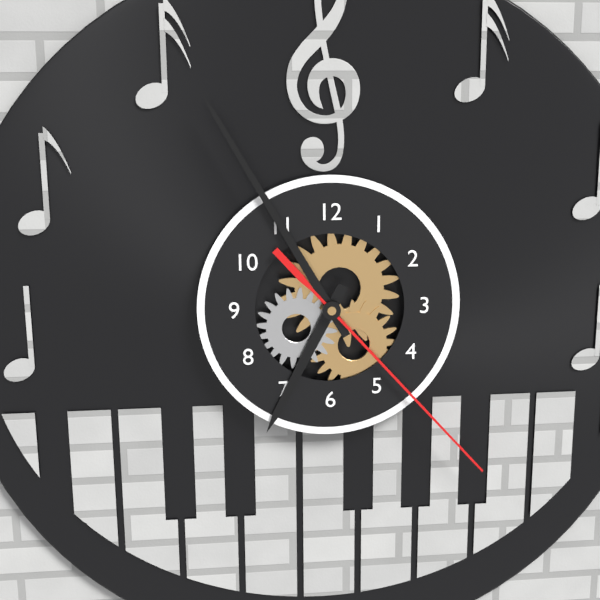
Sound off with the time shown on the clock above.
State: 6:55:23
